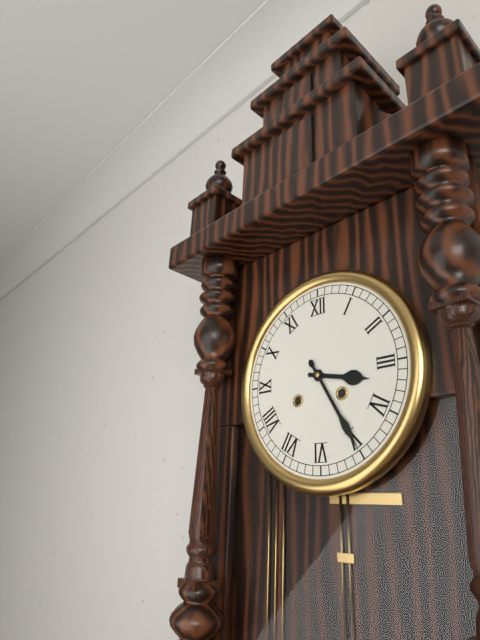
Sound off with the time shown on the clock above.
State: 3:25
